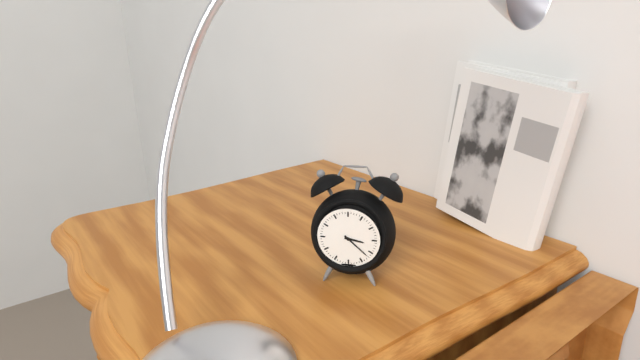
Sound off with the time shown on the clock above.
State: 3:22
